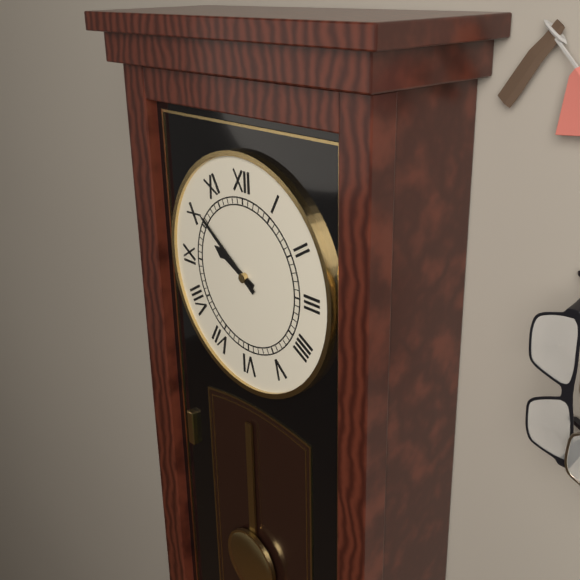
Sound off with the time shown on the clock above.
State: 9:51
